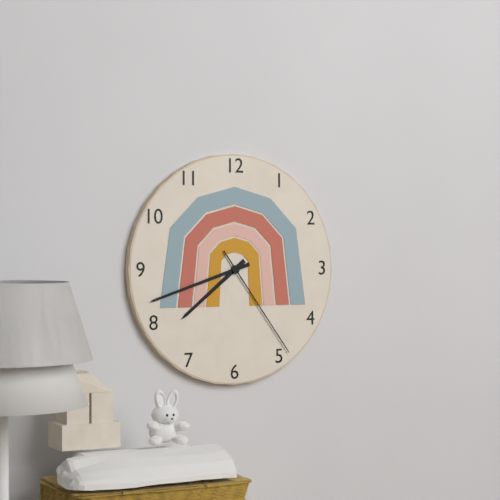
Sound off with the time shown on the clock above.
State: 7:42:24
